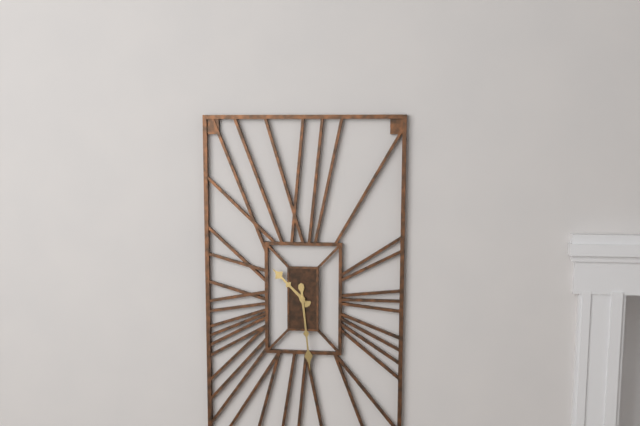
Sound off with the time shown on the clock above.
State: 10:29
